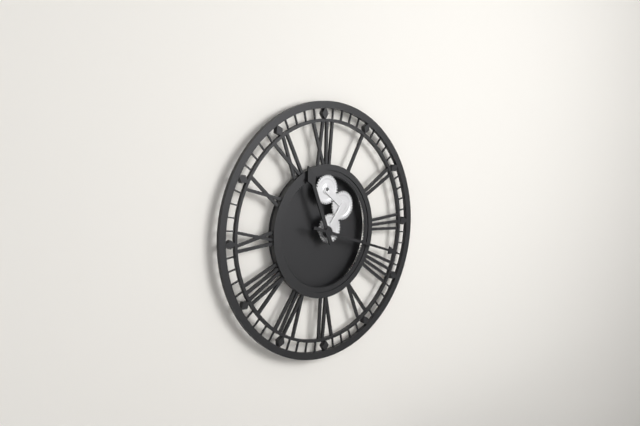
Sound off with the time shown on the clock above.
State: 11:18
